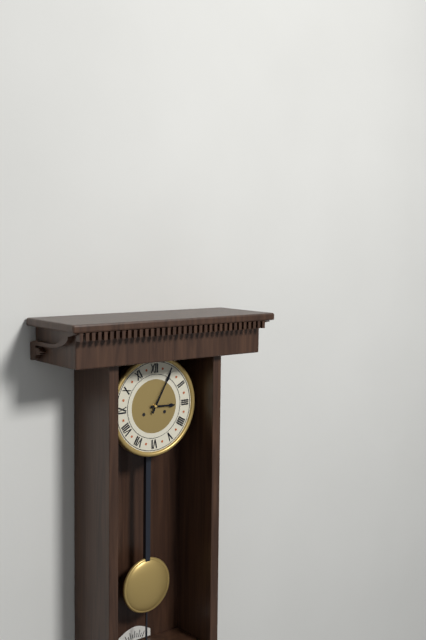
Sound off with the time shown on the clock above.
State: 3:05
